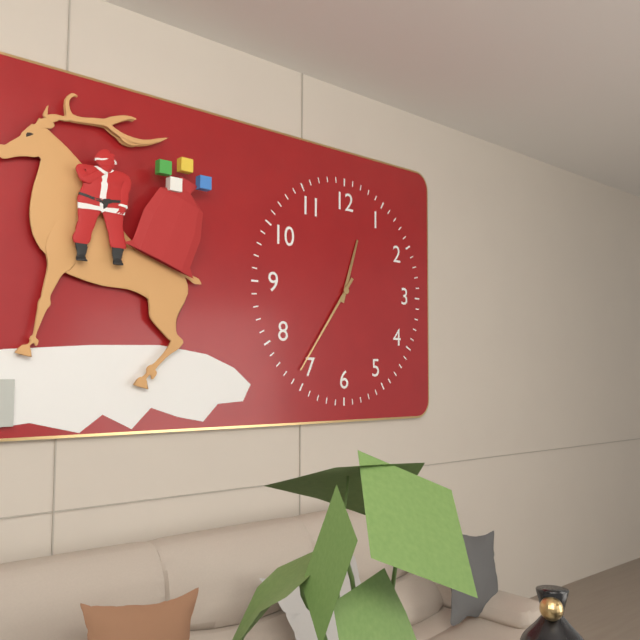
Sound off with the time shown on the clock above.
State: 12:36
